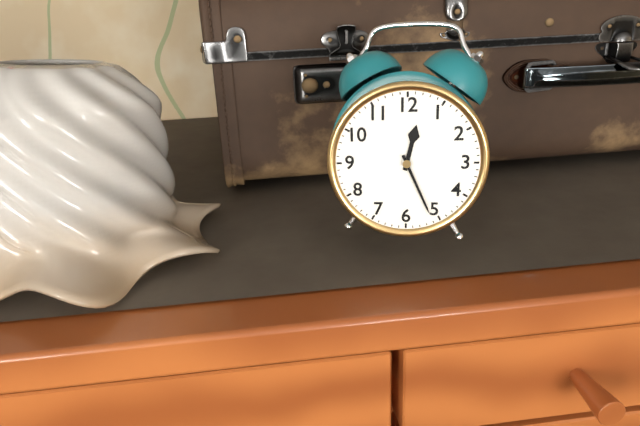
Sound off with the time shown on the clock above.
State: 12:26
